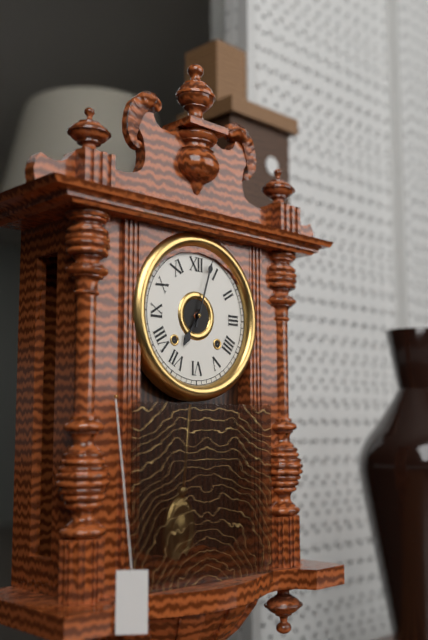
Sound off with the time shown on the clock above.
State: 7:03
